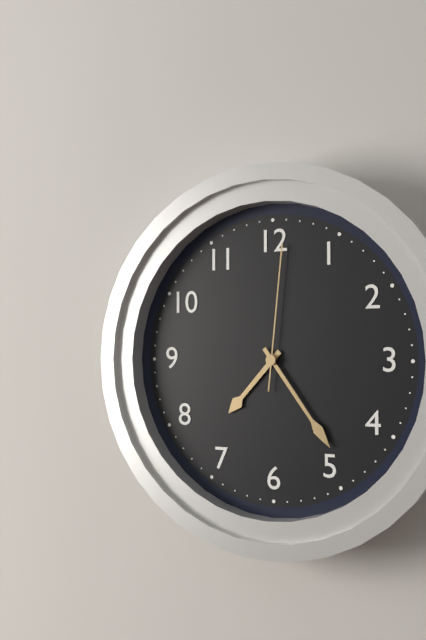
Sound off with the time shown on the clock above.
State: 7:24:01
